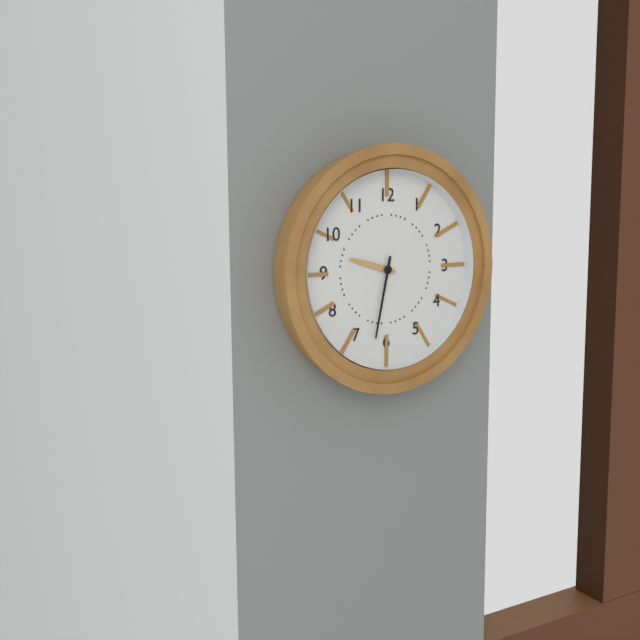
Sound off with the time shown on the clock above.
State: 9:32
